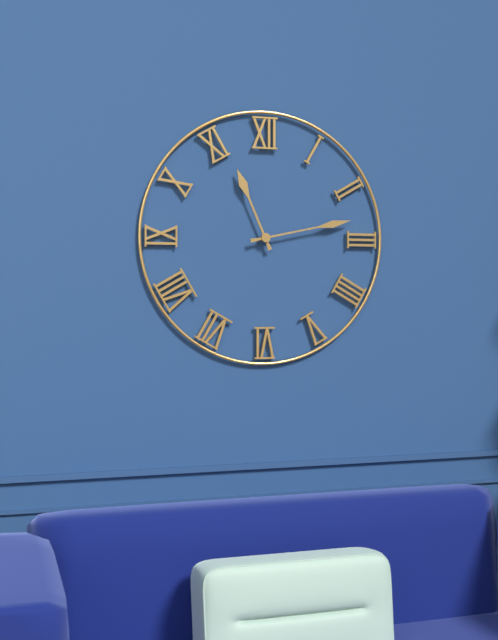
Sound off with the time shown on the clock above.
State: 11:13
